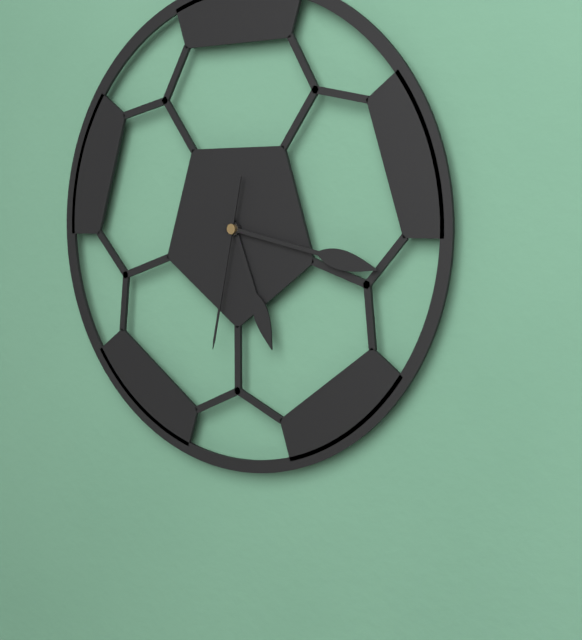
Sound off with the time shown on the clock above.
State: 5:17:32
